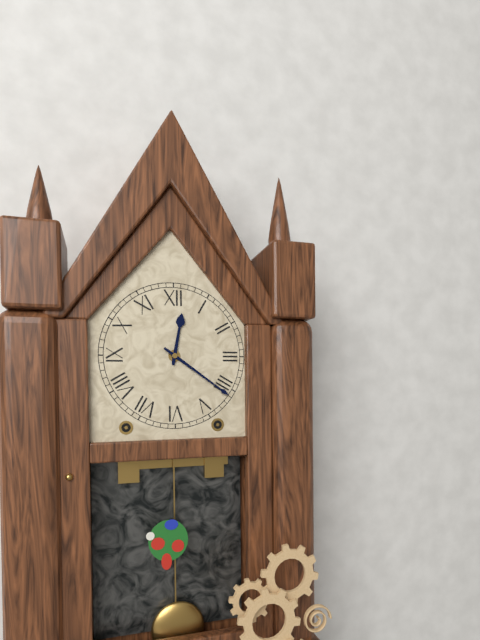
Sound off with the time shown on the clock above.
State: 12:21
